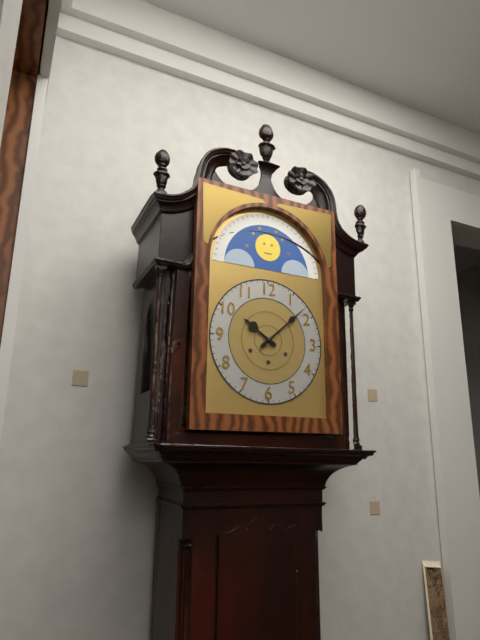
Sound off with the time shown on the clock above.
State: 10:08
